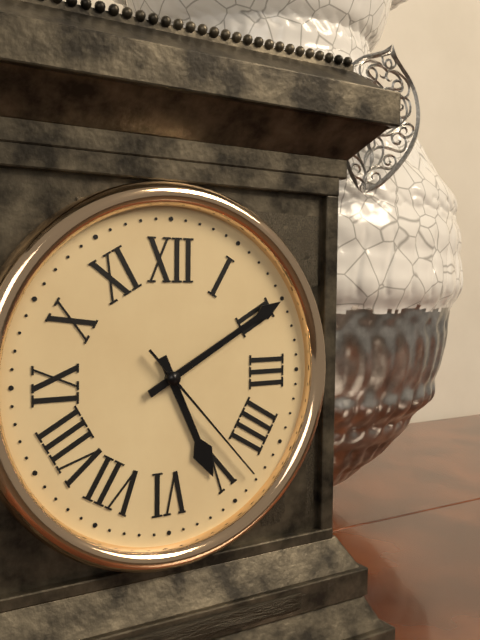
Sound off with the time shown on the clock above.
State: 5:10:23
